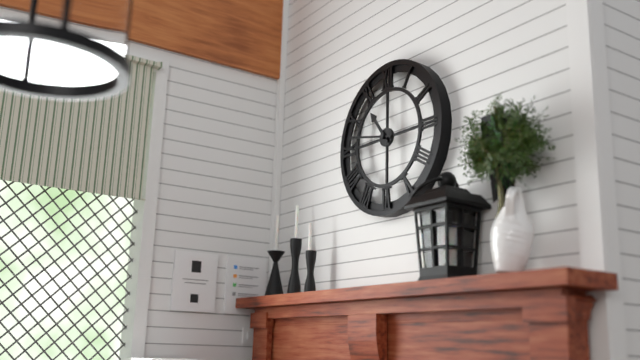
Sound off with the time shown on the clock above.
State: 10:47
